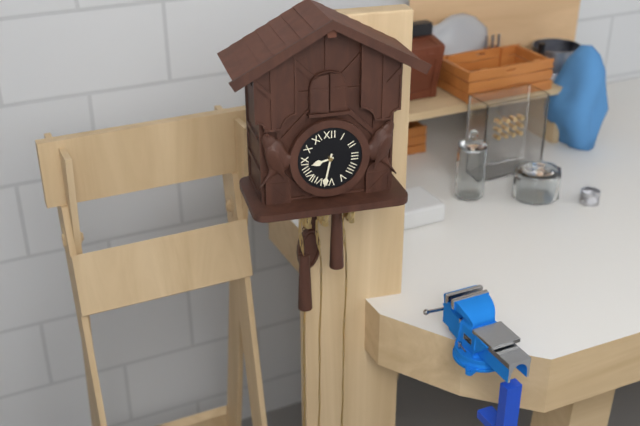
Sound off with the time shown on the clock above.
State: 8:32
